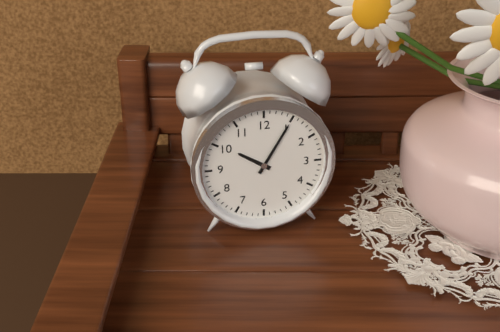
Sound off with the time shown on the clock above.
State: 10:05
